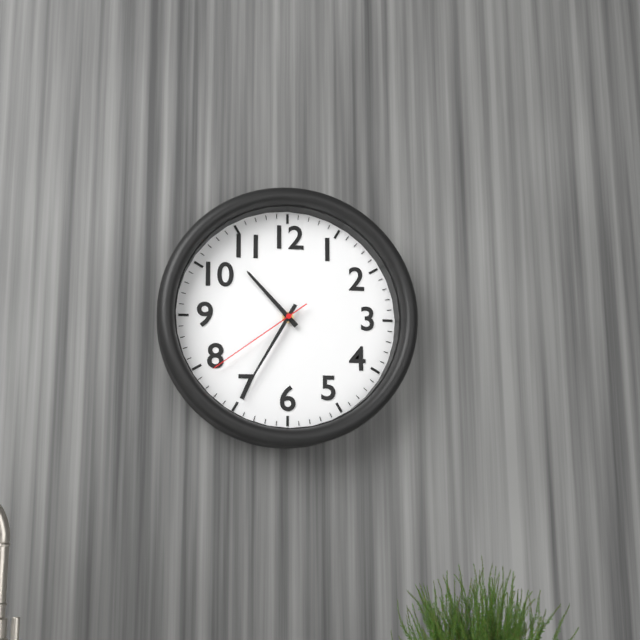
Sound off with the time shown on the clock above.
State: 10:35:39
